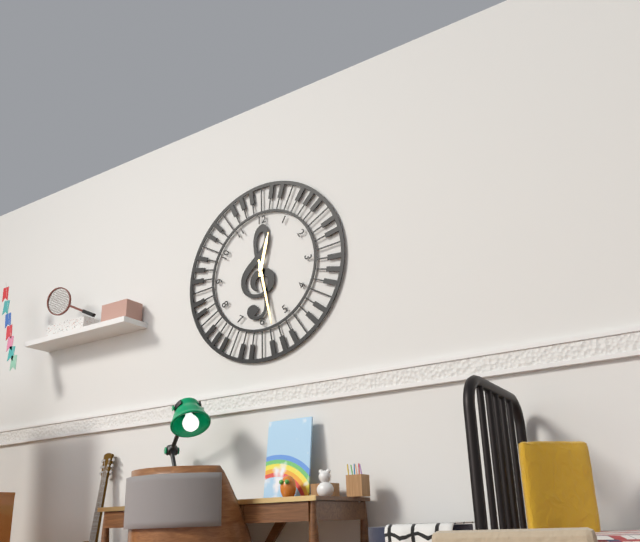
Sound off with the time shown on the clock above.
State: 12:28
